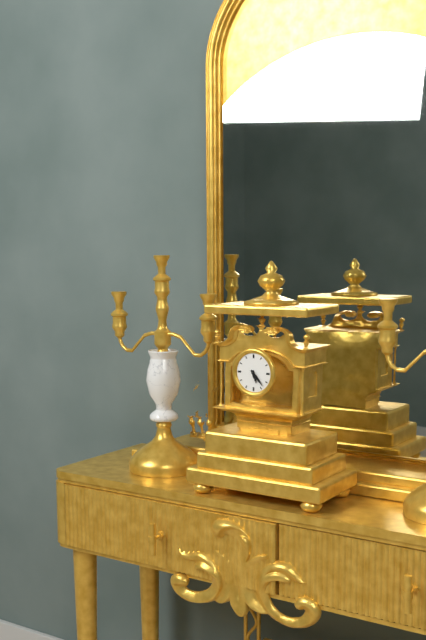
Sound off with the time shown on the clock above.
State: 5:23
